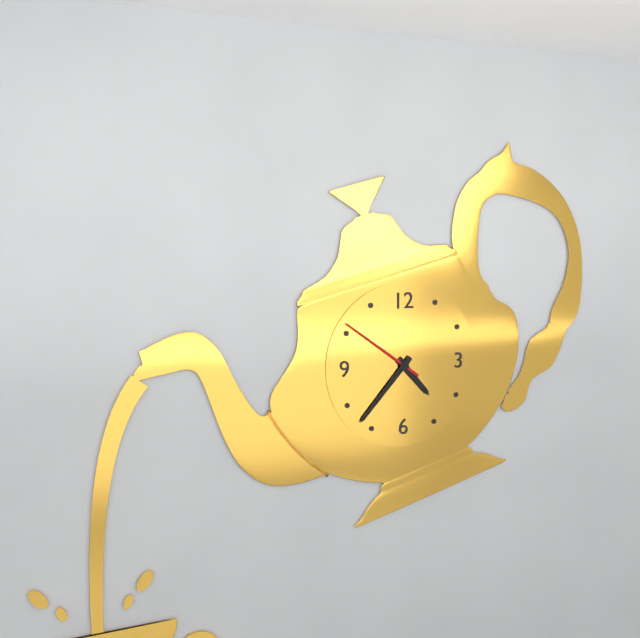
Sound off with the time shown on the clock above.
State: 4:37:51
